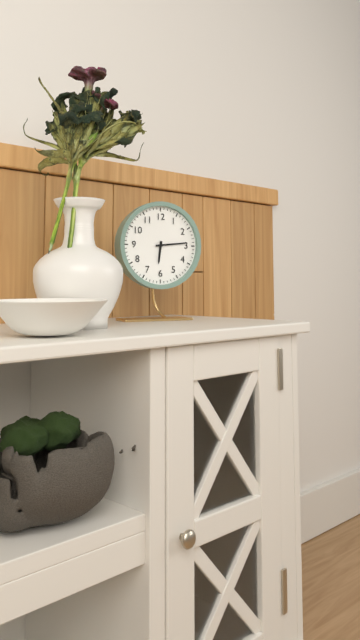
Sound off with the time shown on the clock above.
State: 6:14
